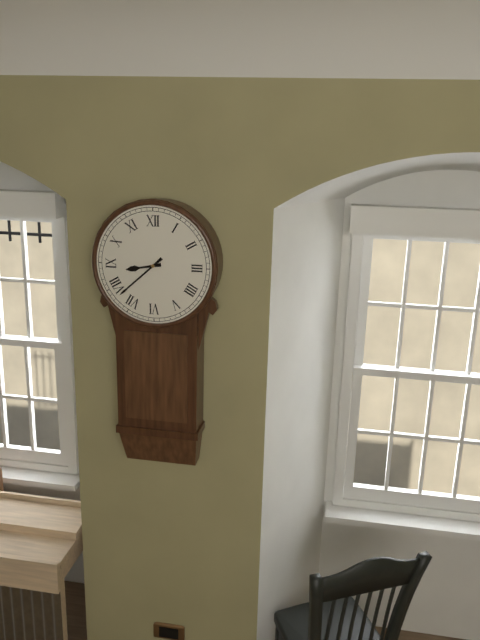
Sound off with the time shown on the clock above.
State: 8:38
